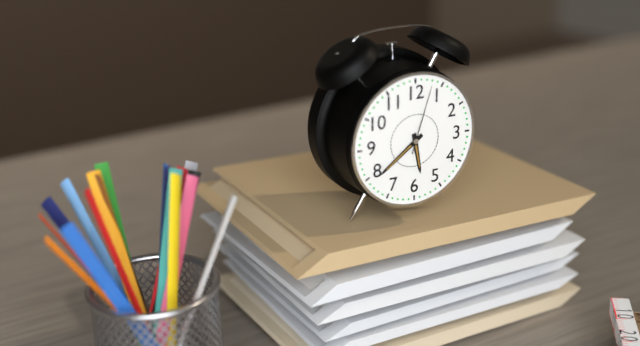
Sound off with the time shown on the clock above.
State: 5:39:03
